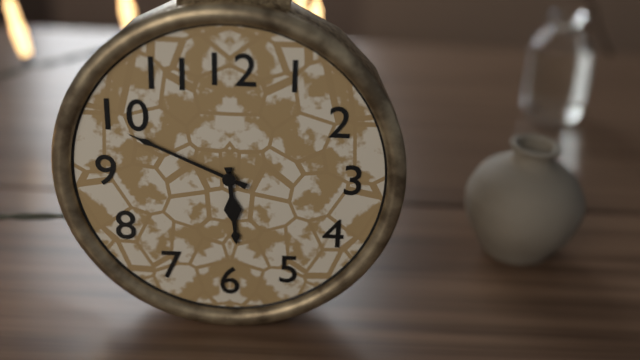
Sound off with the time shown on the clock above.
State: 5:49
